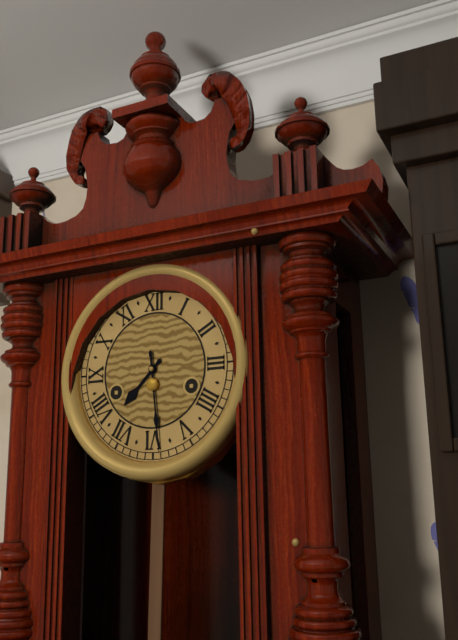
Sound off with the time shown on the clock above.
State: 7:29
